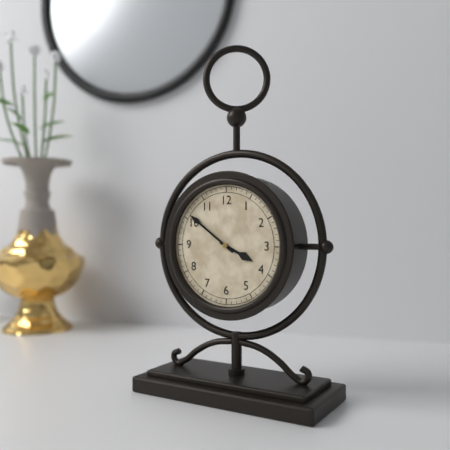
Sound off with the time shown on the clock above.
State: 3:51
